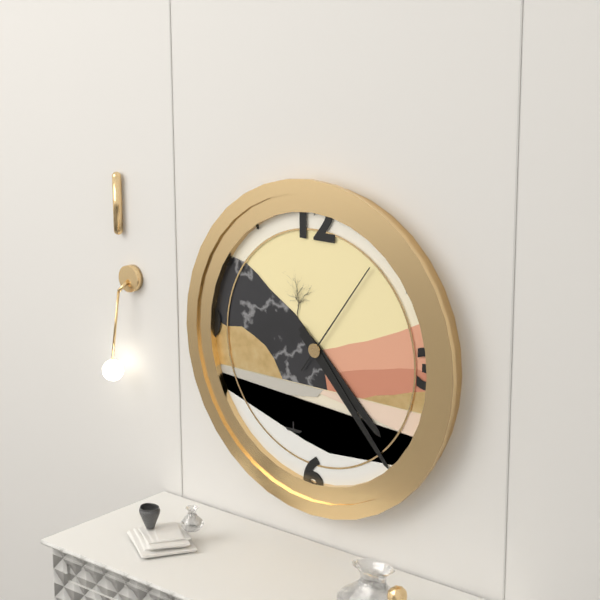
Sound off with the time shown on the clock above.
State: 4:23:06
